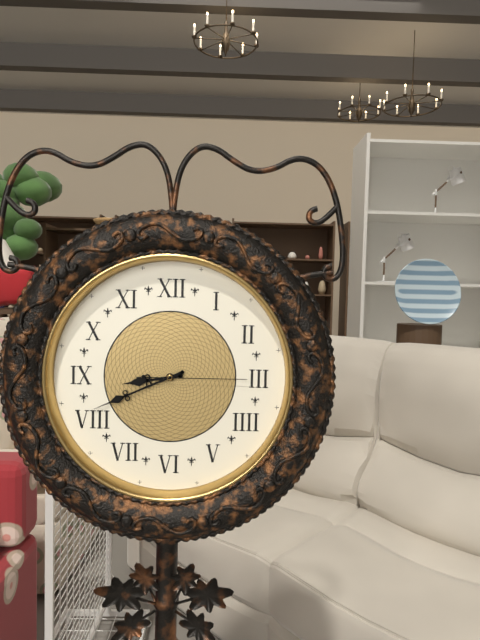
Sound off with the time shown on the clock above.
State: 8:41:15
